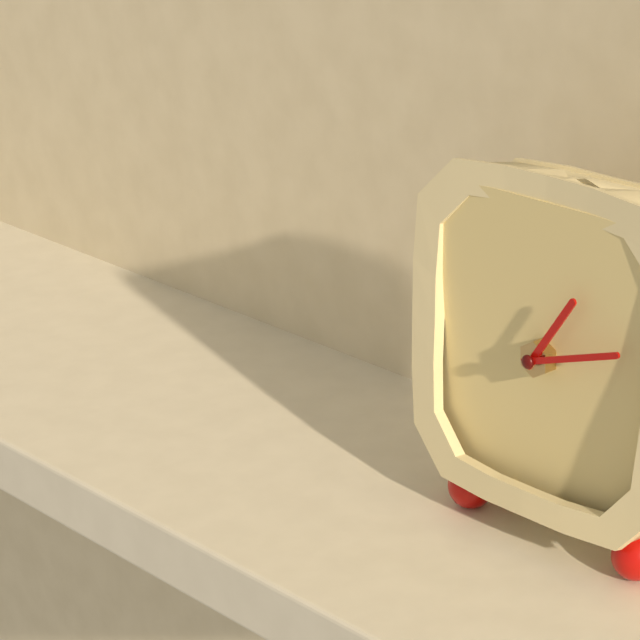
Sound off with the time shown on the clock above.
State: 1:12
